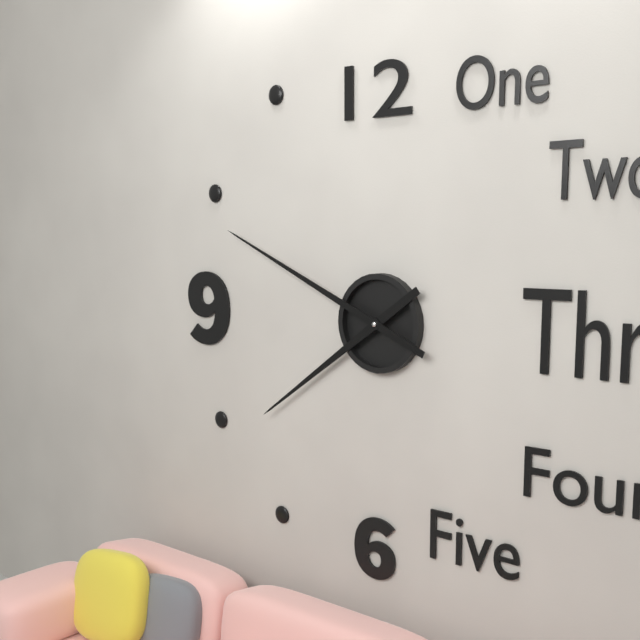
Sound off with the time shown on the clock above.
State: 7:49
